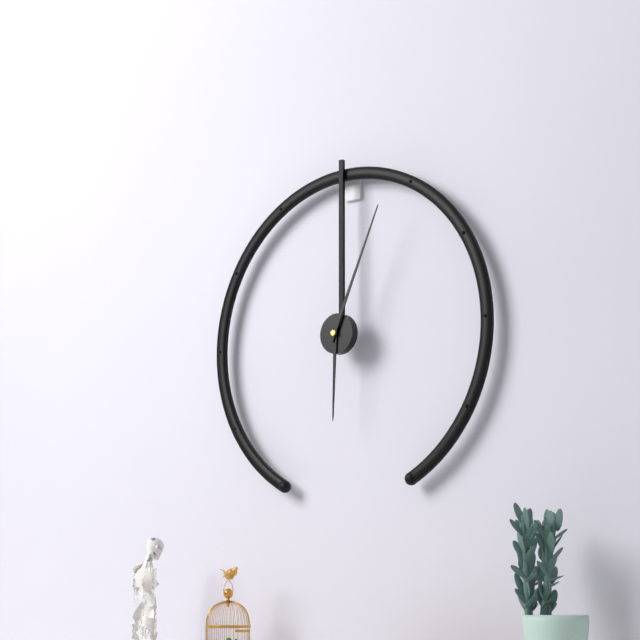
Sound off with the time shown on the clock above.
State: 6:04
